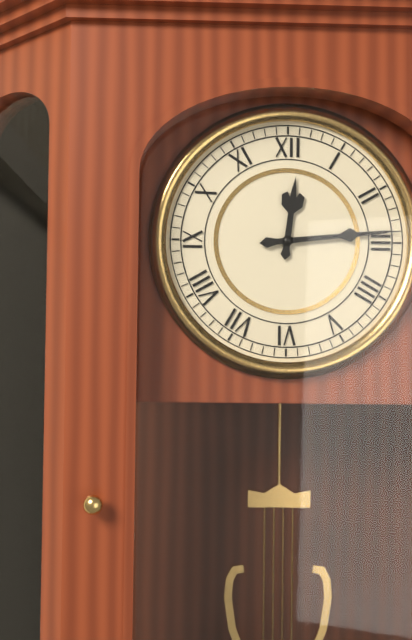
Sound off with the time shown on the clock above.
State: 12:14
